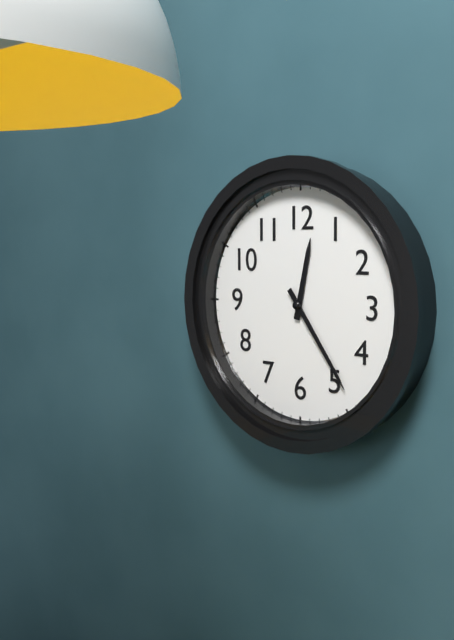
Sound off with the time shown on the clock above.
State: 12:24
